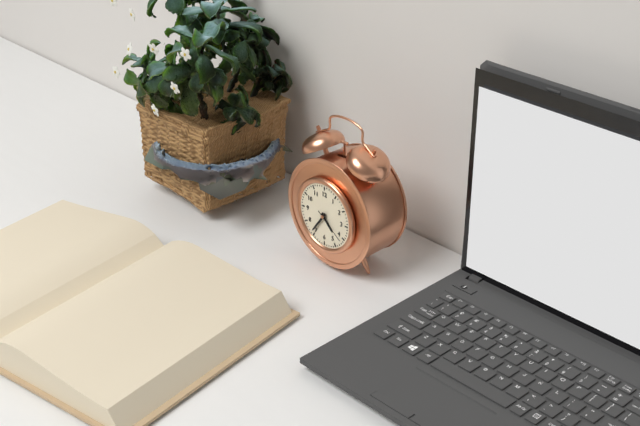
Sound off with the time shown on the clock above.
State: 4:36
